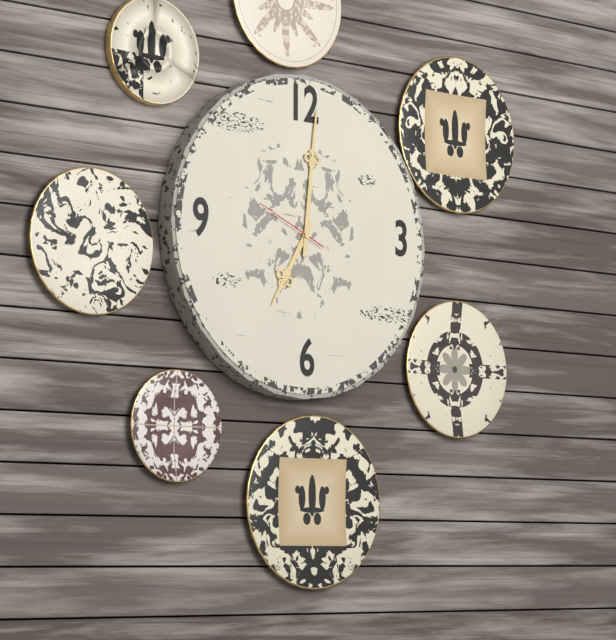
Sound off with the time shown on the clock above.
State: 7:01:49
